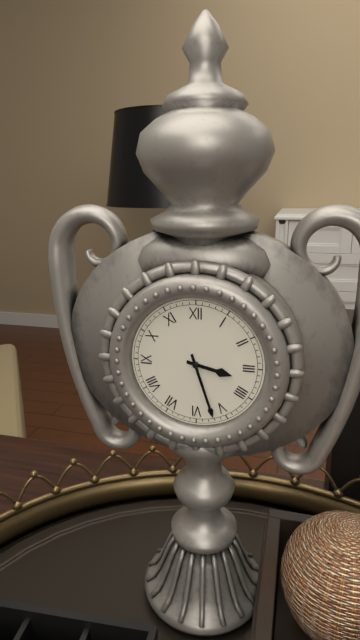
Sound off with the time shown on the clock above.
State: 3:27
